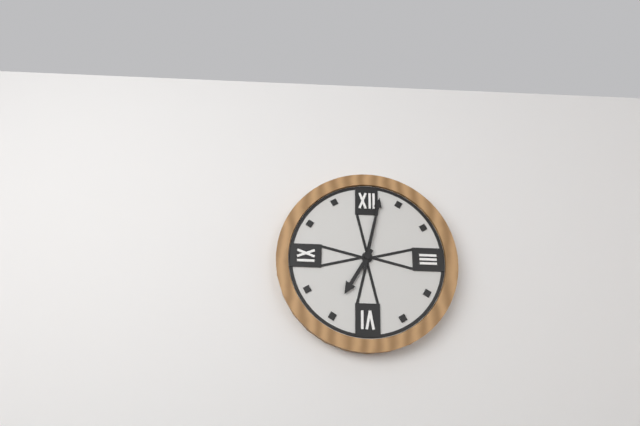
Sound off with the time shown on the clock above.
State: 7:02
